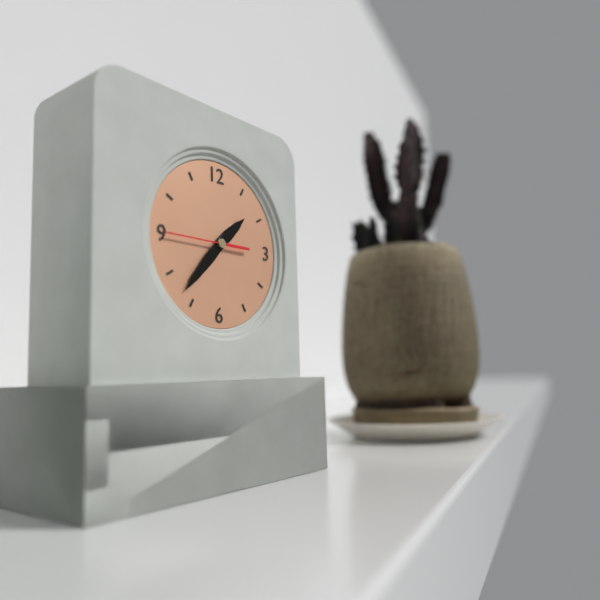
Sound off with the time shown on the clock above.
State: 1:37:45
